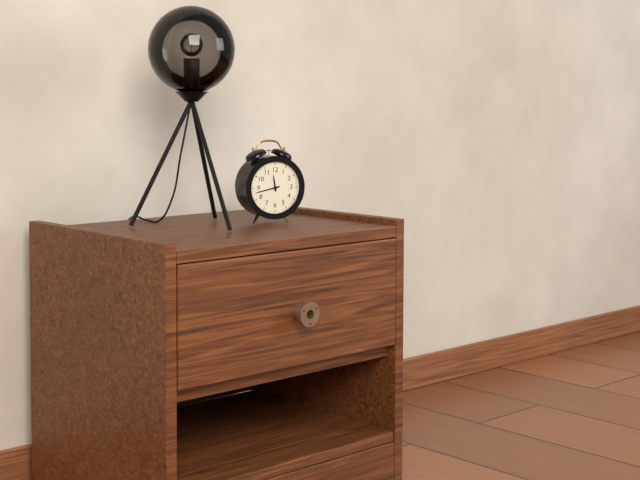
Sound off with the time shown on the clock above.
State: 11:43
